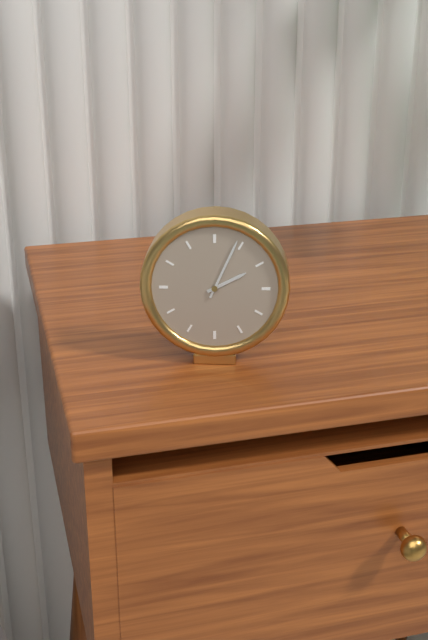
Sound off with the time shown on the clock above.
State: 2:04
